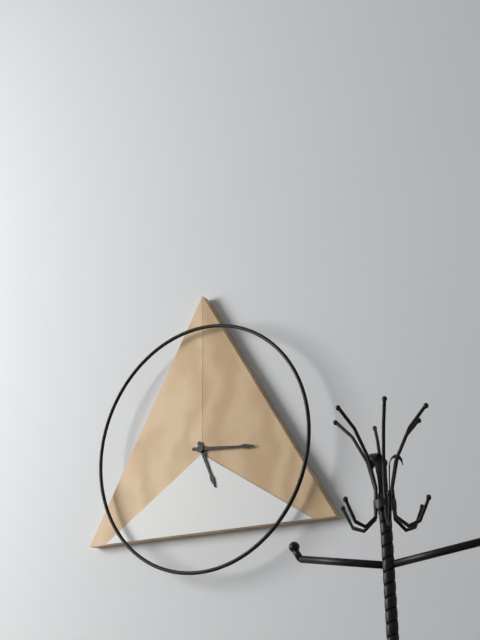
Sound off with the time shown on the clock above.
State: 5:16
